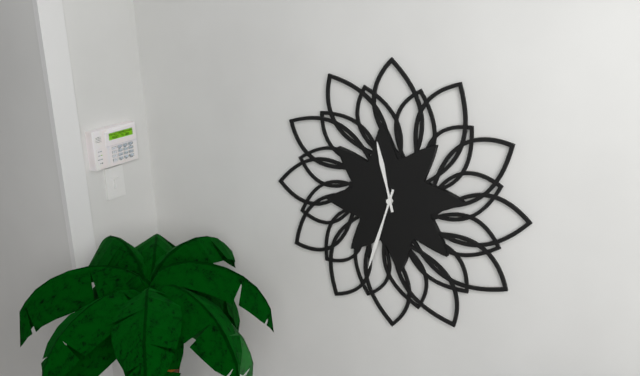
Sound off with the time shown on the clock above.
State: 11:33
